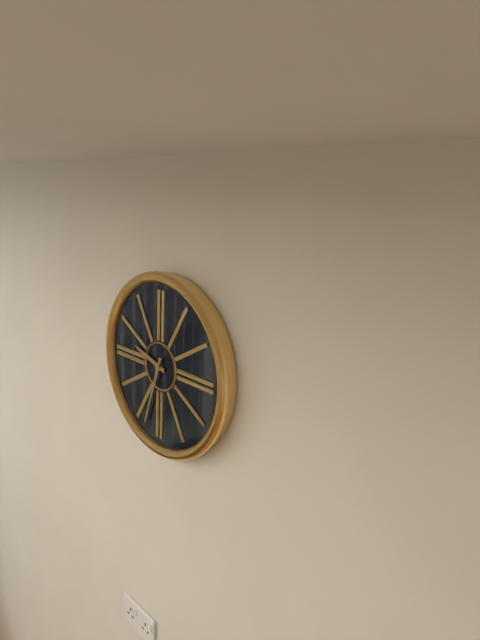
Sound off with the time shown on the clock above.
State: 9:33
